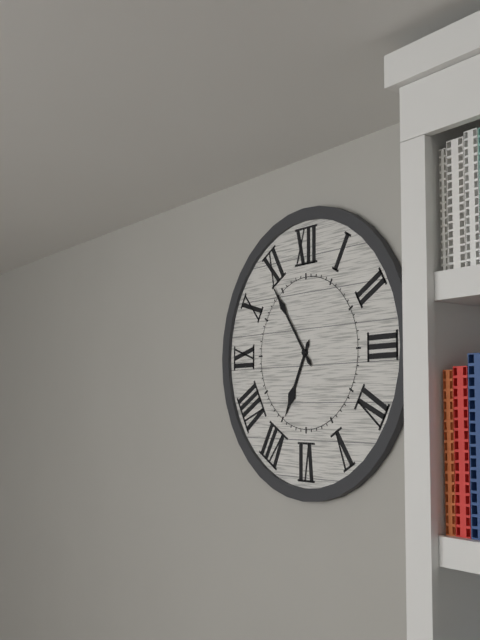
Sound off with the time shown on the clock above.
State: 6:54
